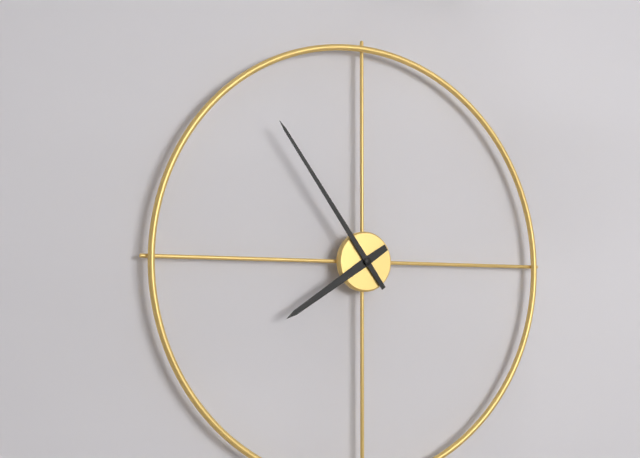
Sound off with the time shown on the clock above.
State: 7:54
